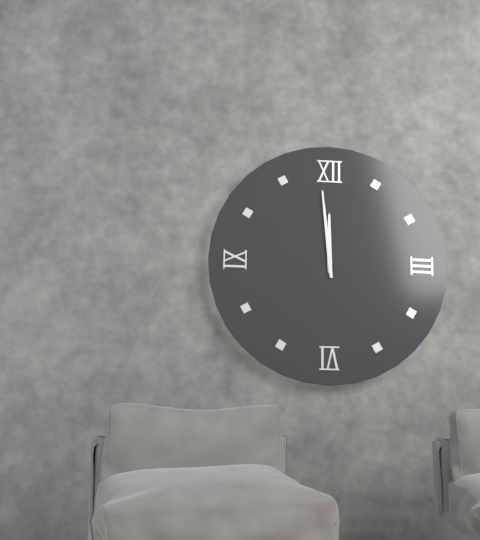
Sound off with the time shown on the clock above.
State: 11:59
